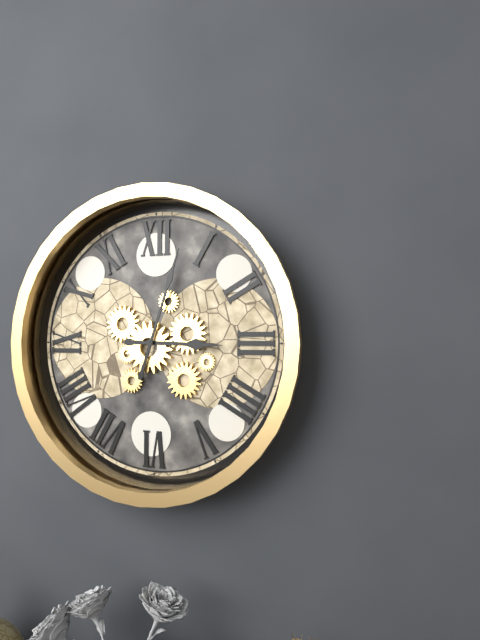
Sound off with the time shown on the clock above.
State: 3:03
